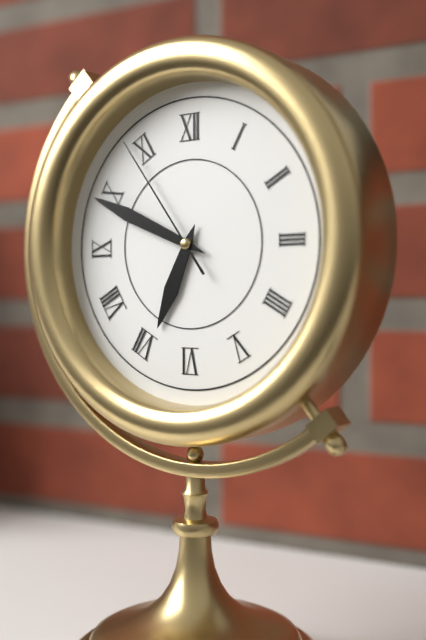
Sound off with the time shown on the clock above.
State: 6:49:54
